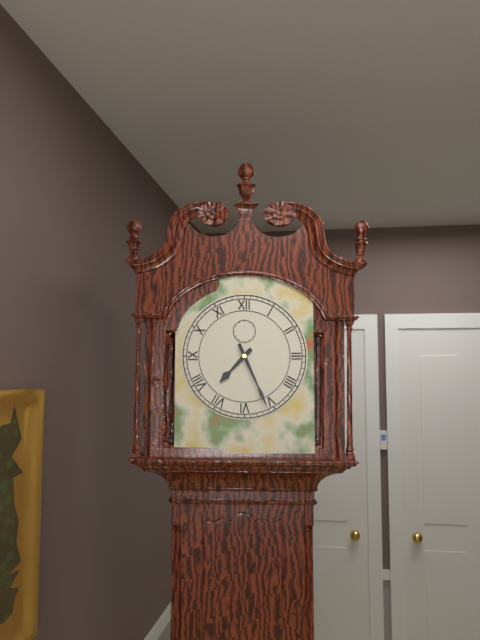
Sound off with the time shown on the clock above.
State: 7:26
